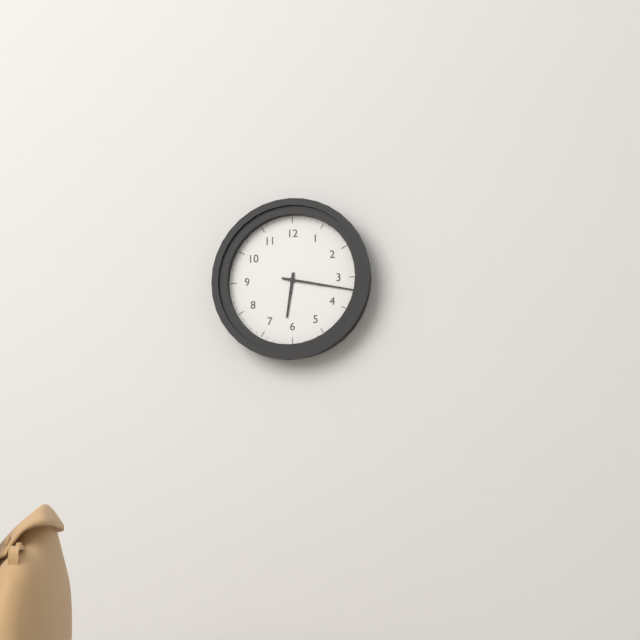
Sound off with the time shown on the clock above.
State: 6:17
